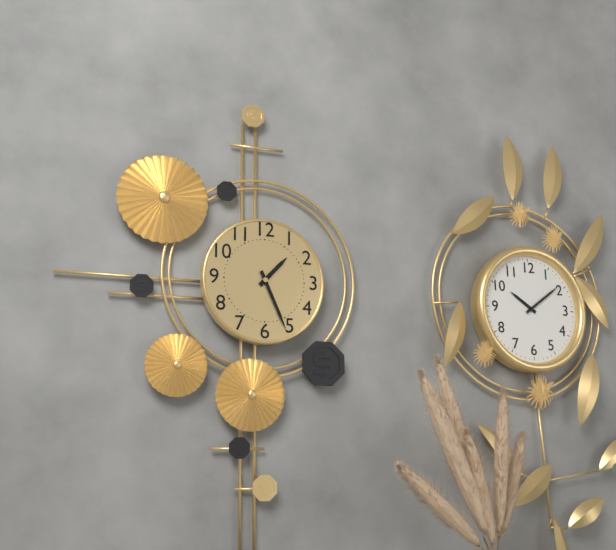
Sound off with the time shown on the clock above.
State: 1:26
